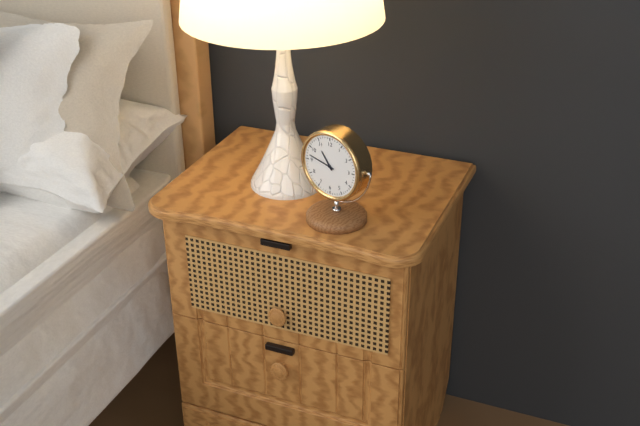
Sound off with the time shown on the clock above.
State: 10:47
